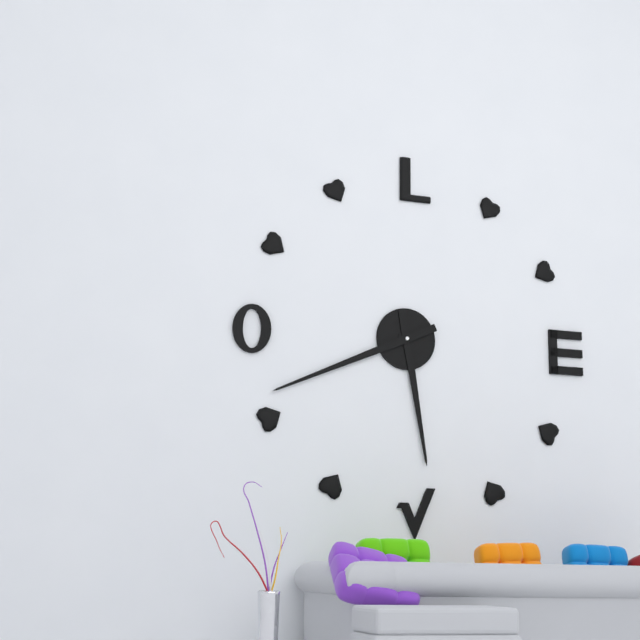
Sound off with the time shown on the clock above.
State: 5:41
